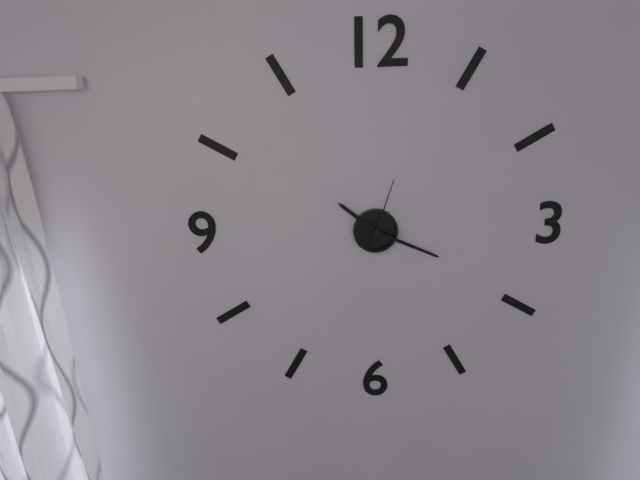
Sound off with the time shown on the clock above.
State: 10:19:03
